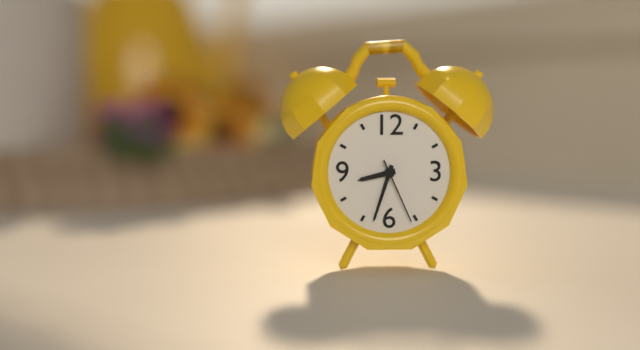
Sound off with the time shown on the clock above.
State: 8:33:26
